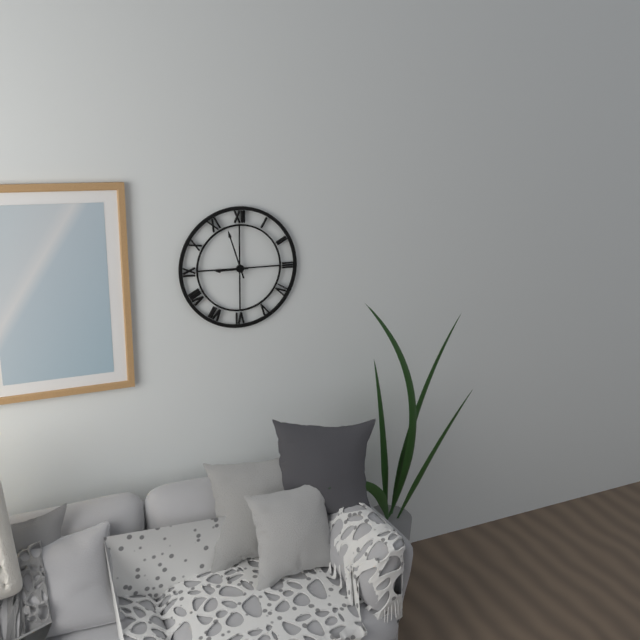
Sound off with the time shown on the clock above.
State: 8:57
